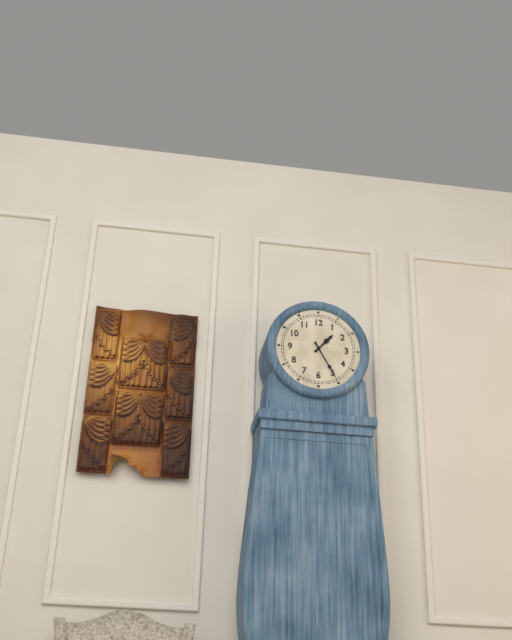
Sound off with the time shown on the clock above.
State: 1:25
